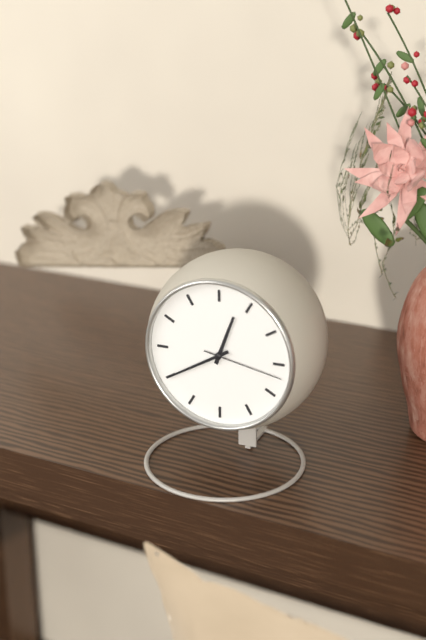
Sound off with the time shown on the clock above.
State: 12:40:17
